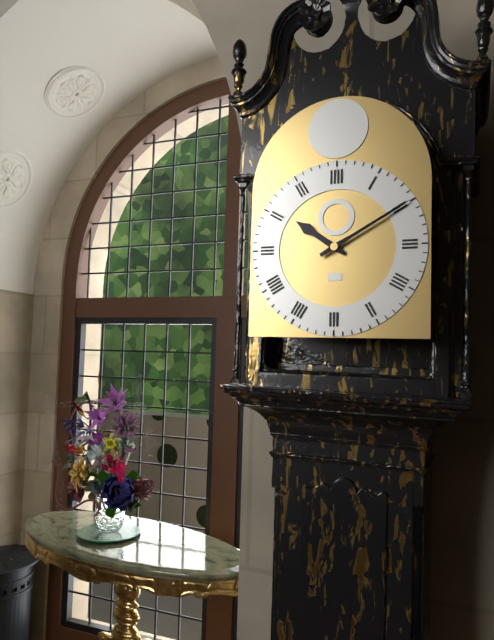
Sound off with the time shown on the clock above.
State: 10:10
